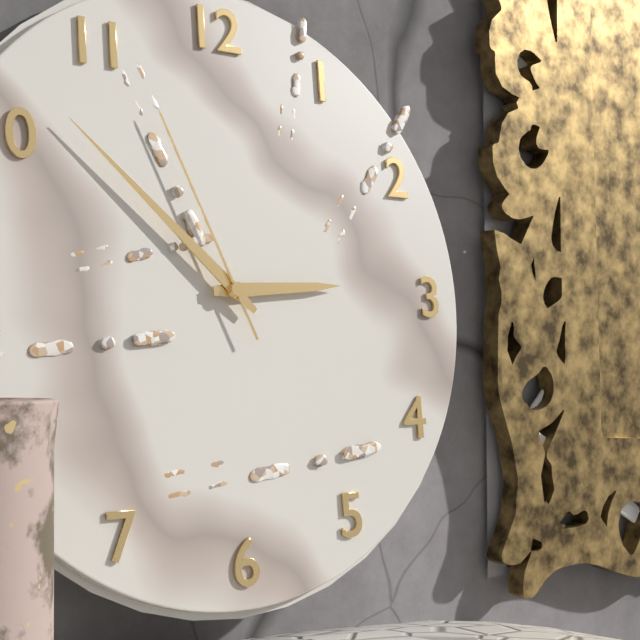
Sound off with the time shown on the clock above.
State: 2:52:56
